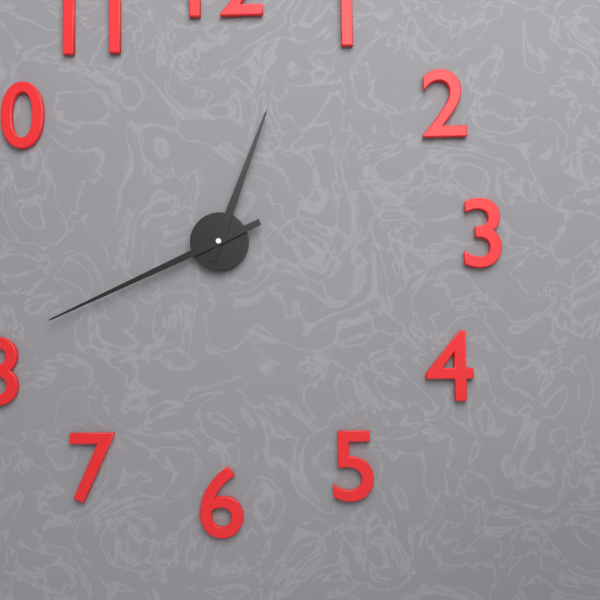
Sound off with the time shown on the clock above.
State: 12:41
